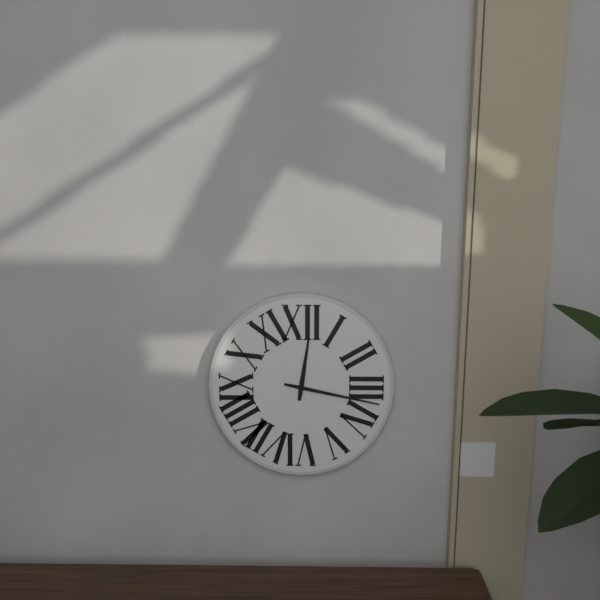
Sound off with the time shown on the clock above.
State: 12:17
